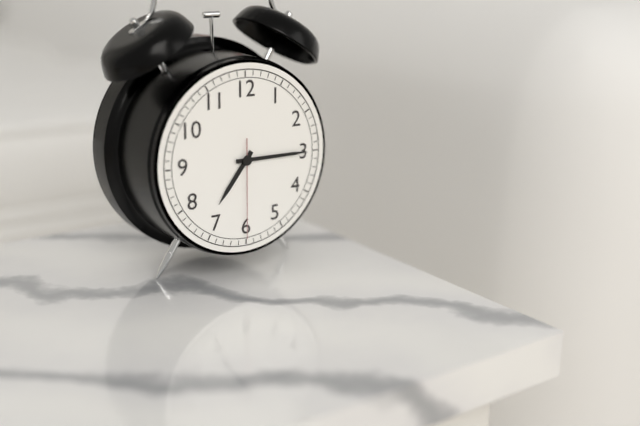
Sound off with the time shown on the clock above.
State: 7:15:30
